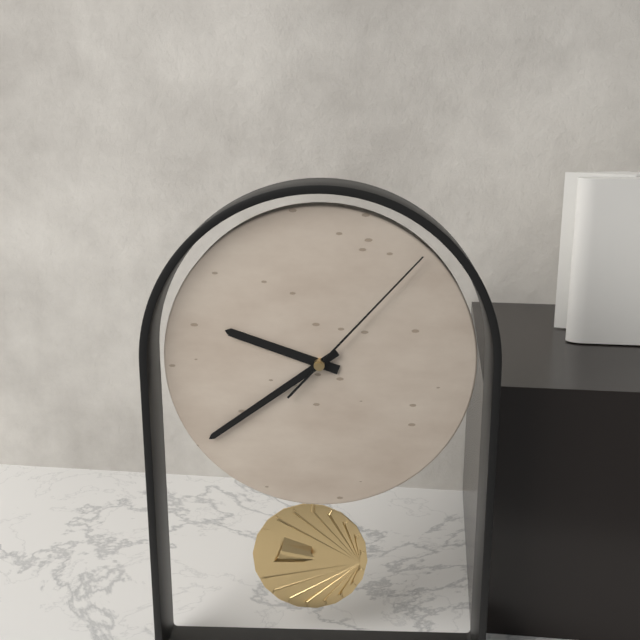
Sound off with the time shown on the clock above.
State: 9:39:07
